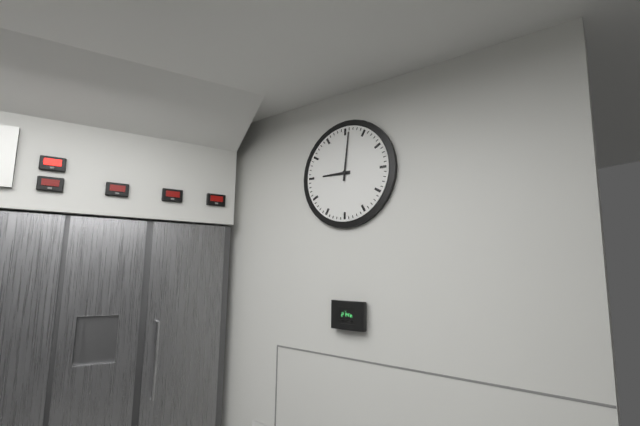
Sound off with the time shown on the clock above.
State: 9:01
